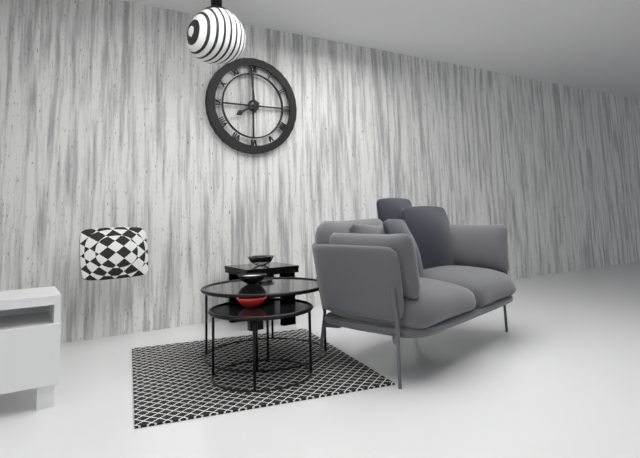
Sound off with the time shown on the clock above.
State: 7:59
